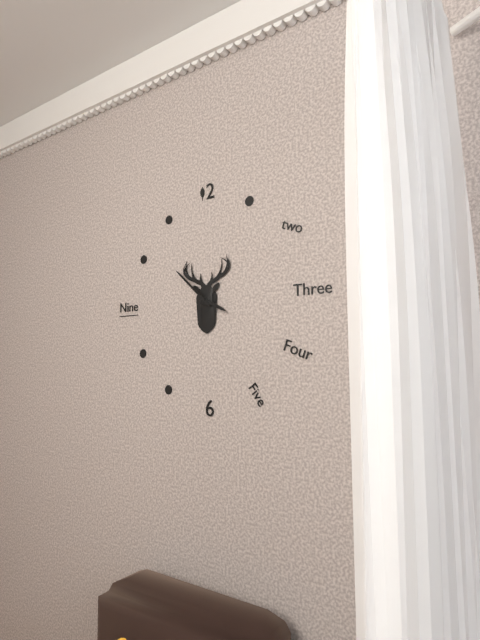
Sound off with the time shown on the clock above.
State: 3:52
